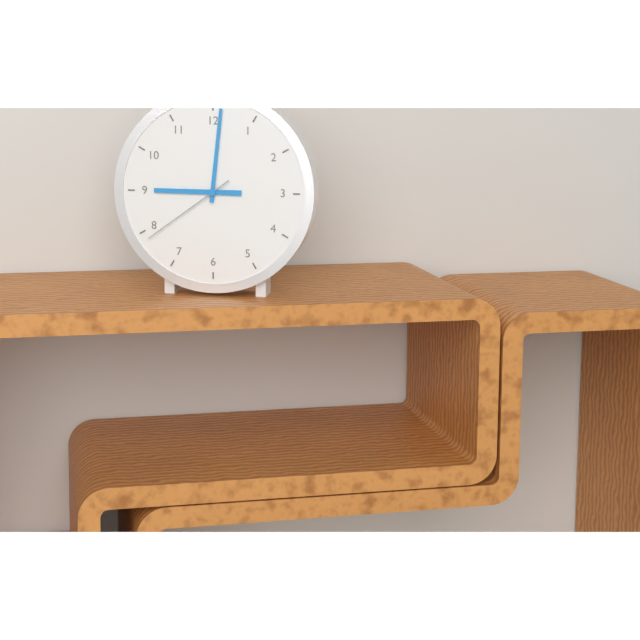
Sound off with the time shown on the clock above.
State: 9:01:39
